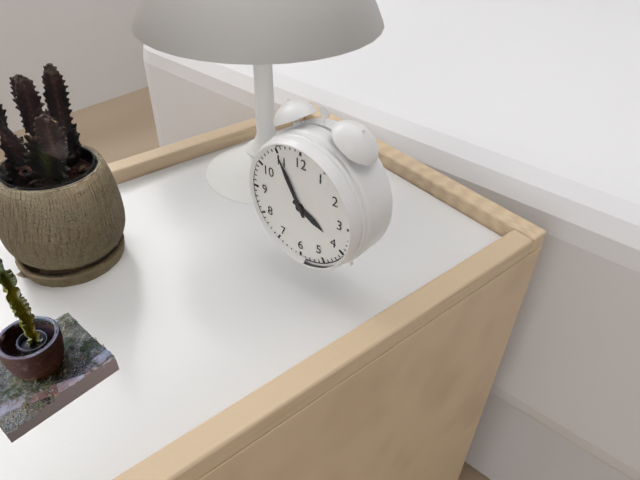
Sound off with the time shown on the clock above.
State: 3:55
